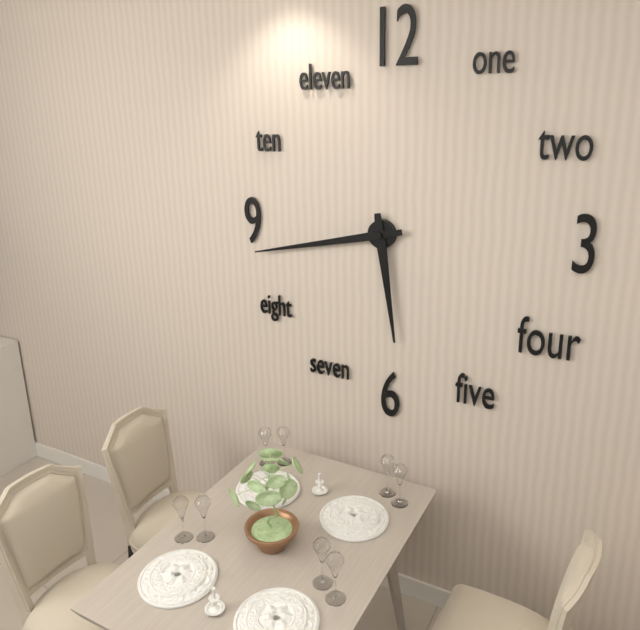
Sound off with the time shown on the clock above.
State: 5:43
